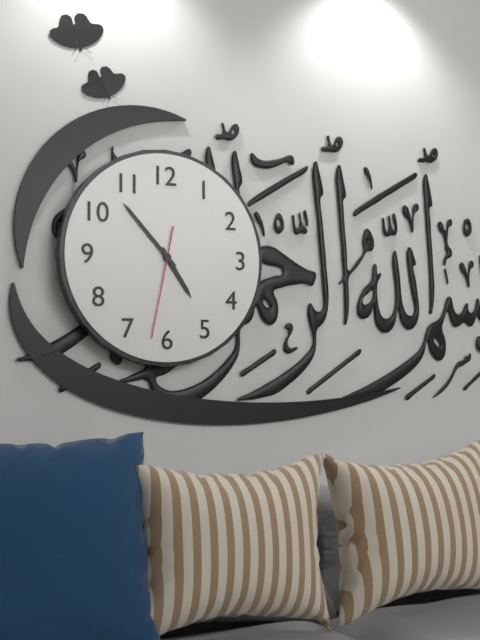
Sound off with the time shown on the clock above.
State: 4:53:32
